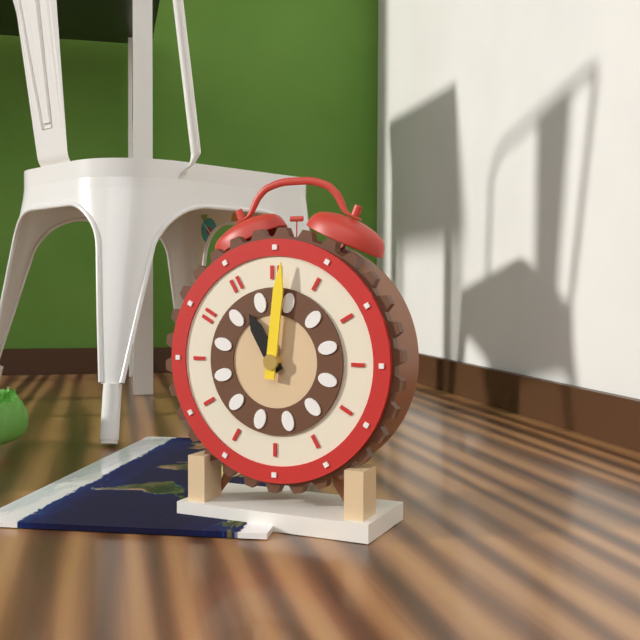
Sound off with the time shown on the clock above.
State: 11:01
